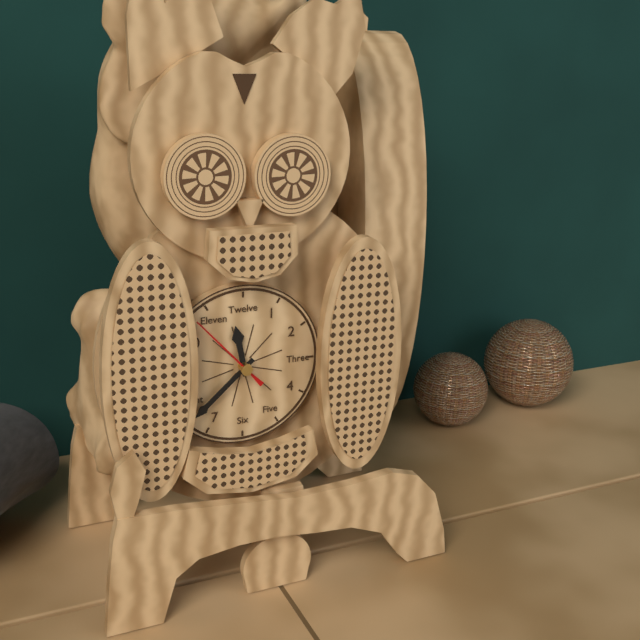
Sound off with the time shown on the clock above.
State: 11:38:53
